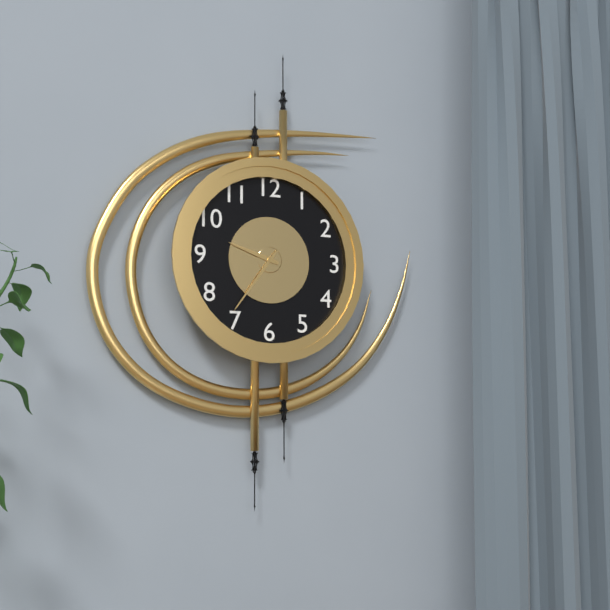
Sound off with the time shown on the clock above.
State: 9:36
